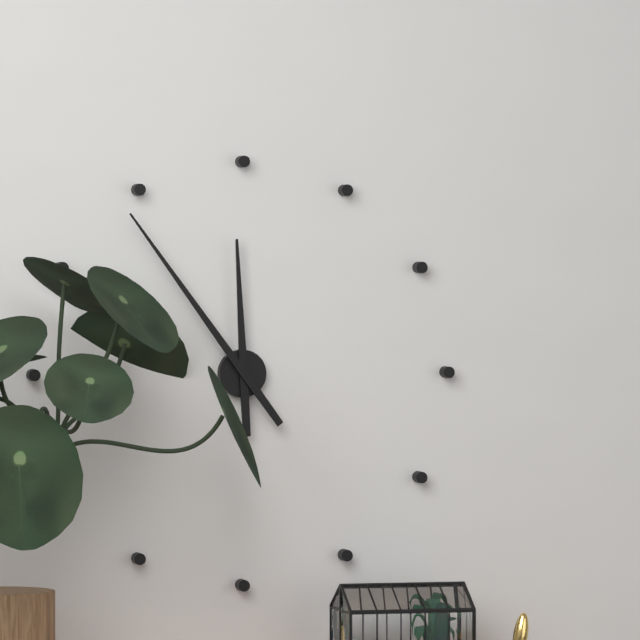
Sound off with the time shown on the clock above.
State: 11:54
